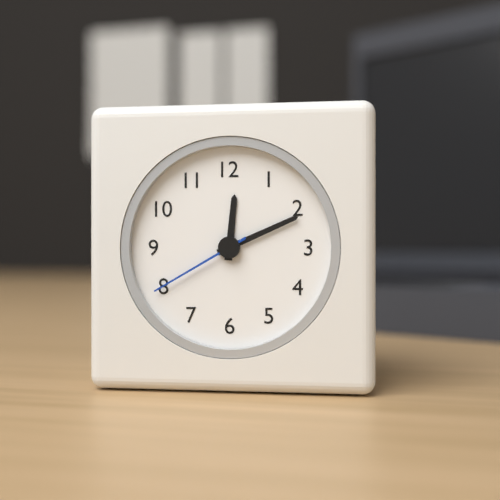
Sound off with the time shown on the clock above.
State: 12:11:40
